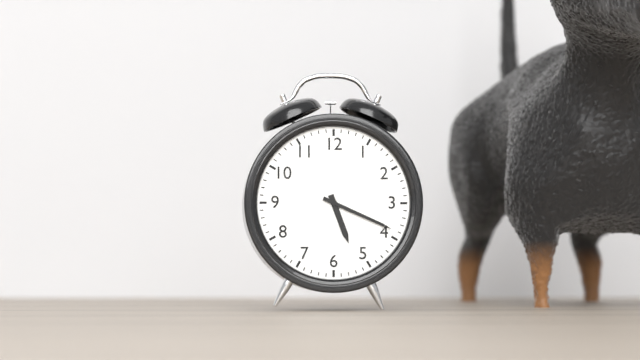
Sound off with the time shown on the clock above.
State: 5:19
